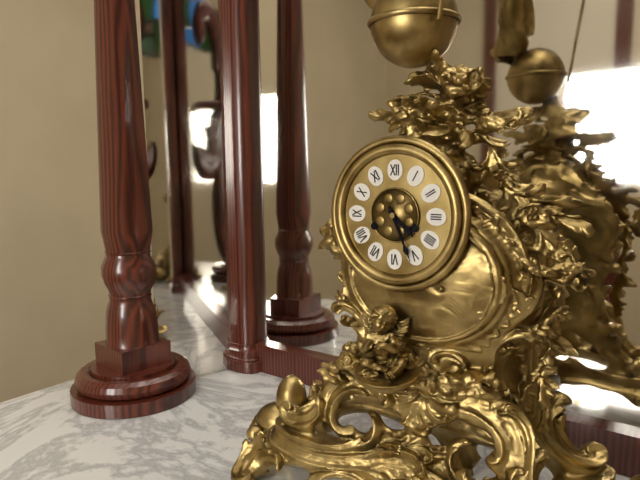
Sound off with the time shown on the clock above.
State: 4:26
